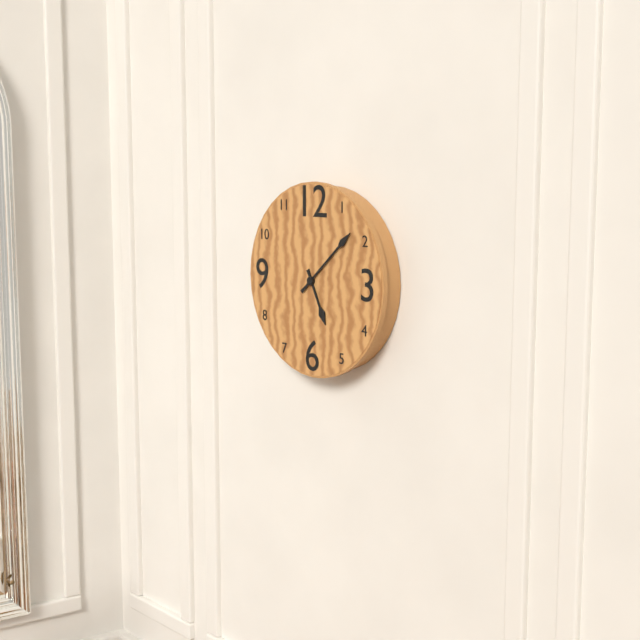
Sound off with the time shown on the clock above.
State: 5:08
